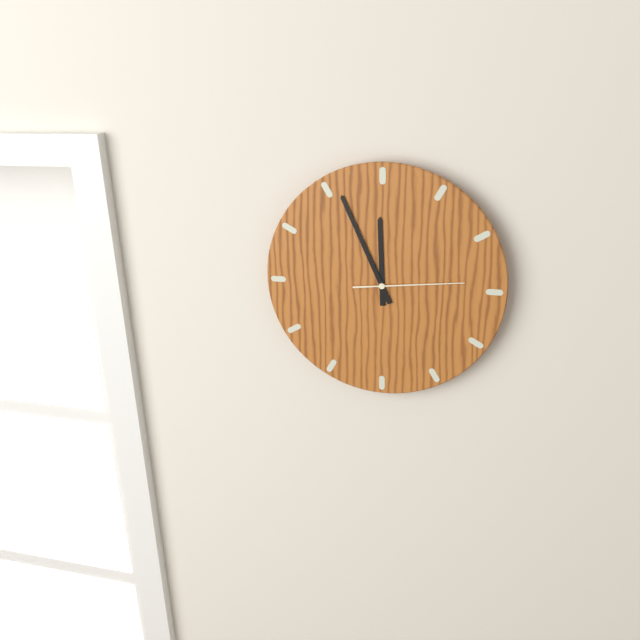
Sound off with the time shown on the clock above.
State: 11:56:14
